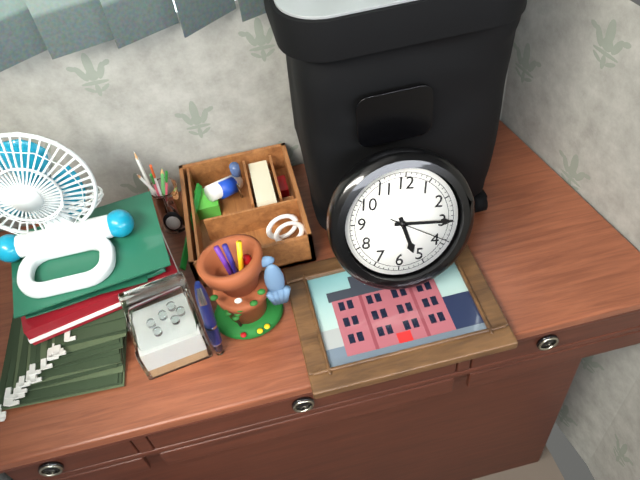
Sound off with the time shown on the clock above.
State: 5:15:19
